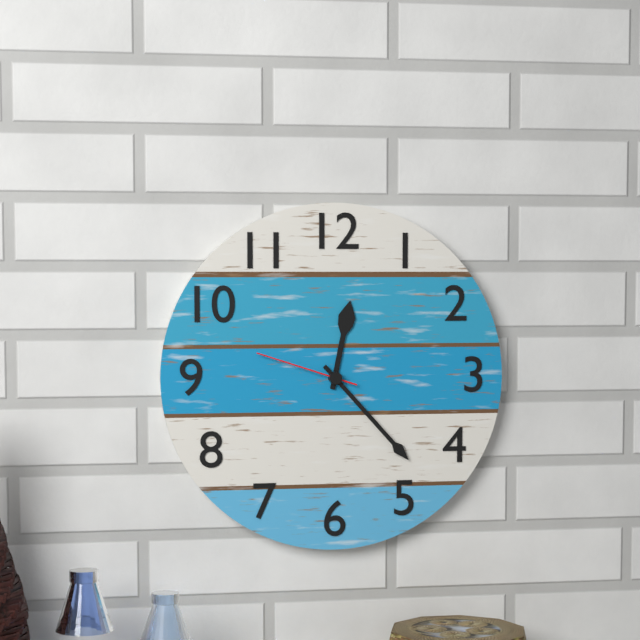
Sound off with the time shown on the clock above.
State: 12:23:48
